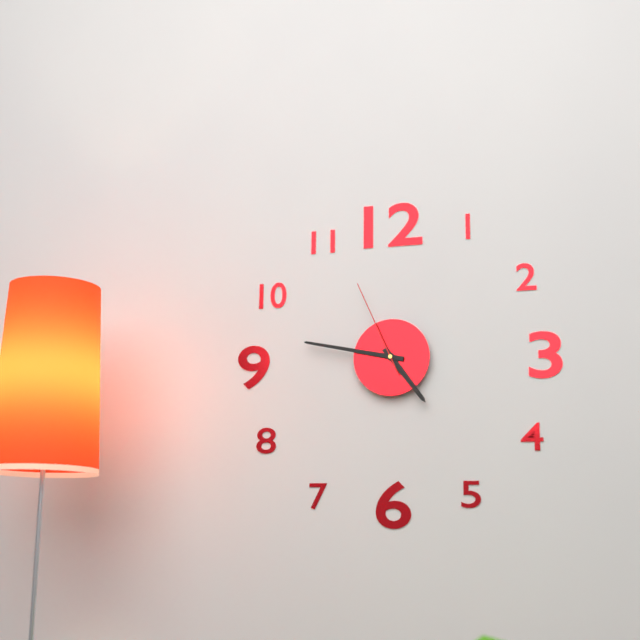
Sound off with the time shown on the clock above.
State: 4:47:56
